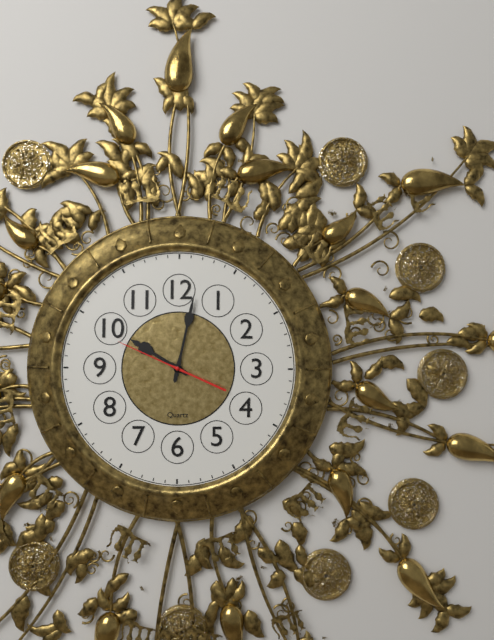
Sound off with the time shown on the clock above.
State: 10:02:49
